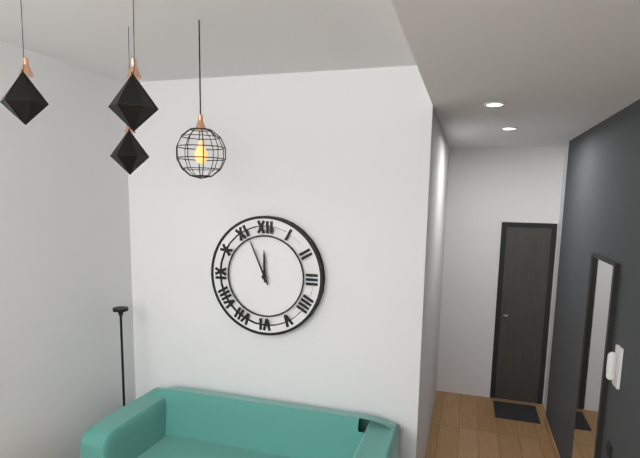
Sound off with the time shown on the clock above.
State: 11:56
